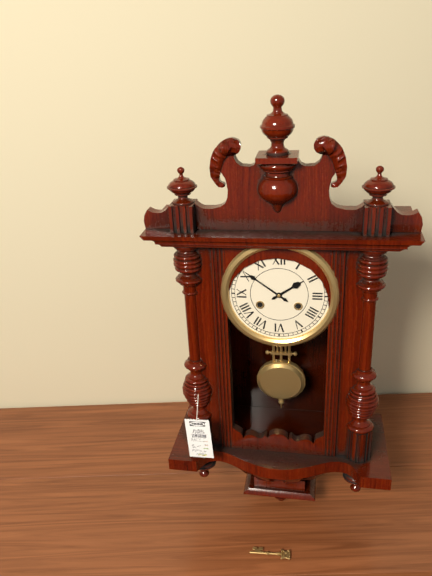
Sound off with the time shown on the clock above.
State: 1:51
